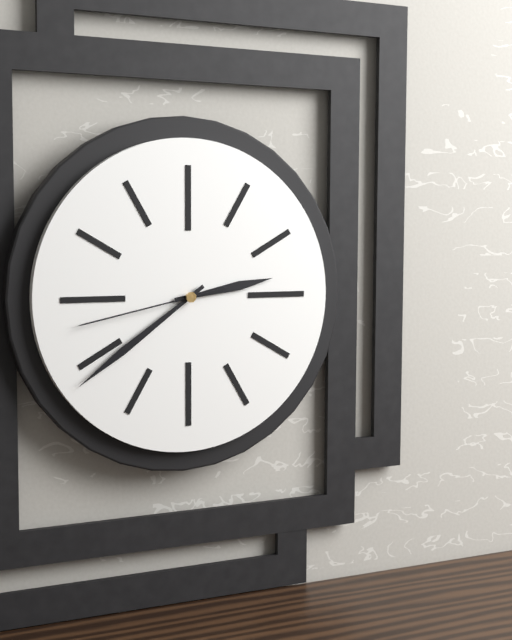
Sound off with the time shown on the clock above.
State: 2:39:43
